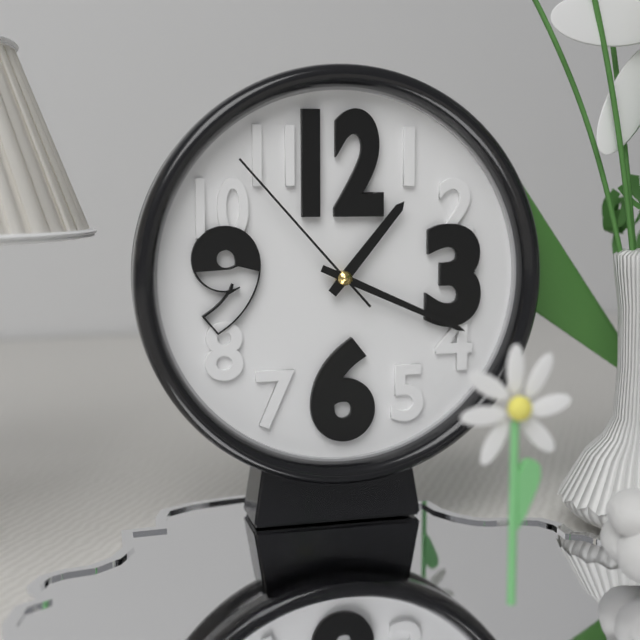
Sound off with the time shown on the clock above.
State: 1:19:53
